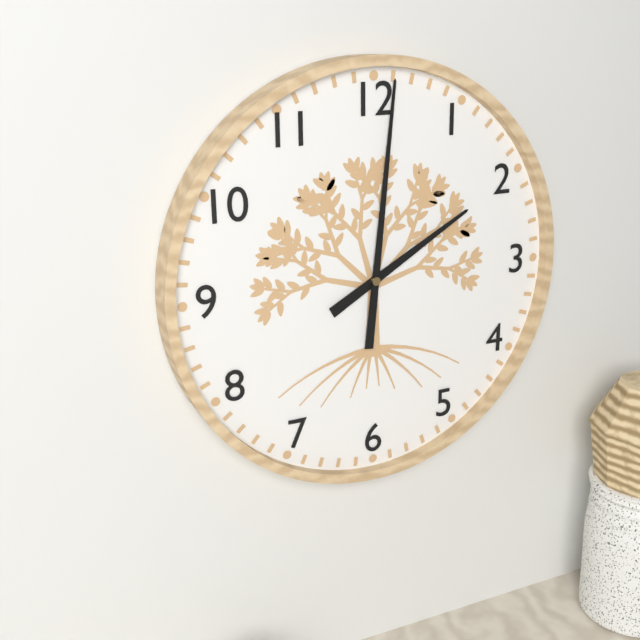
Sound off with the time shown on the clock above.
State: 2:01
